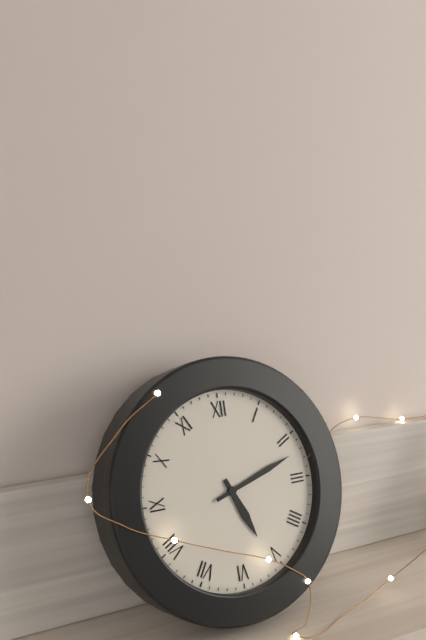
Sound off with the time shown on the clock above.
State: 5:12
